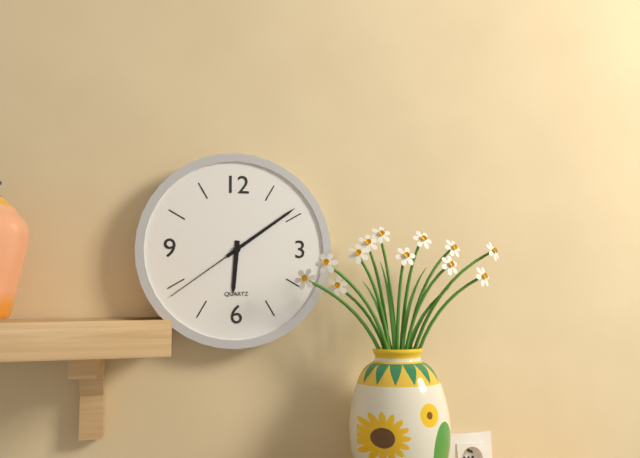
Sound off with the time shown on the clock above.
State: 6:09:39
